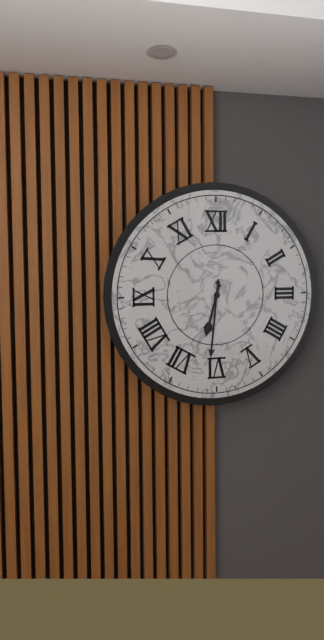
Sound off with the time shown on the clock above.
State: 6:31
